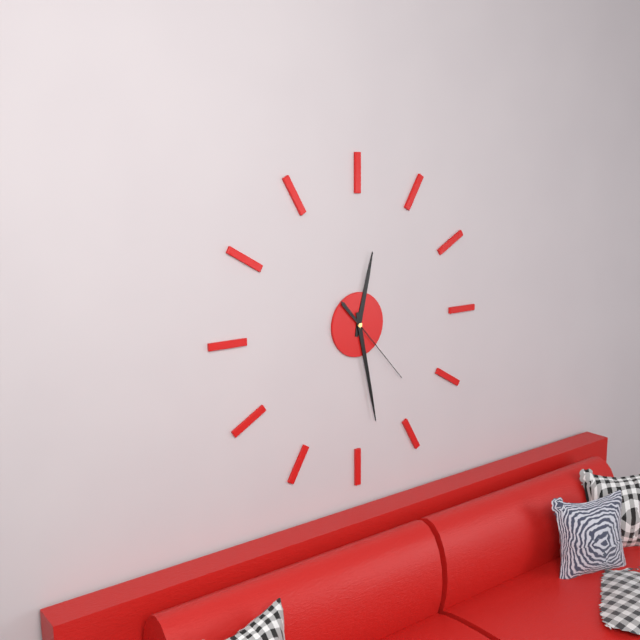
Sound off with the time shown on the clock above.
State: 12:28:23
